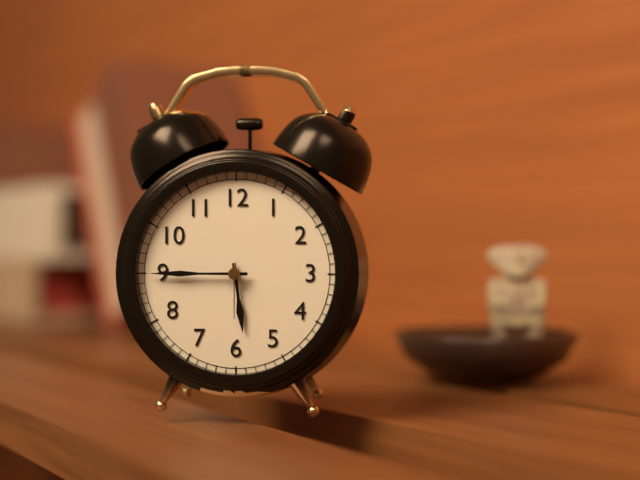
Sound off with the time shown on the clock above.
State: 5:45:30
